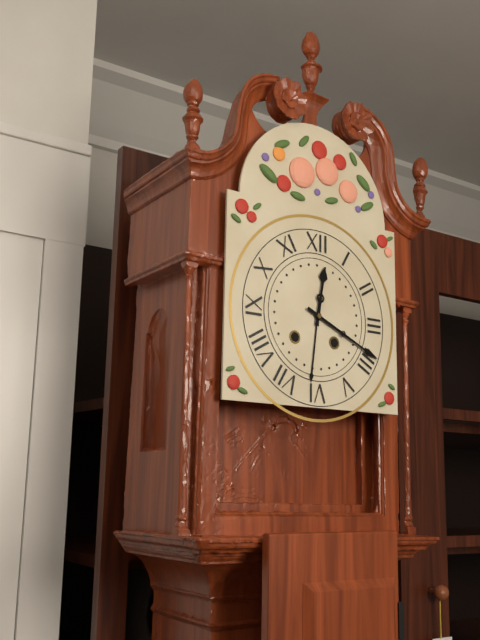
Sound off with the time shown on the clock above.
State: 12:19
